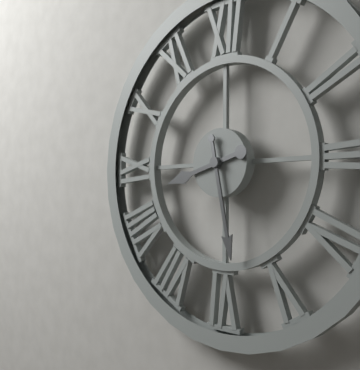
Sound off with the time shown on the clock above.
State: 8:28
